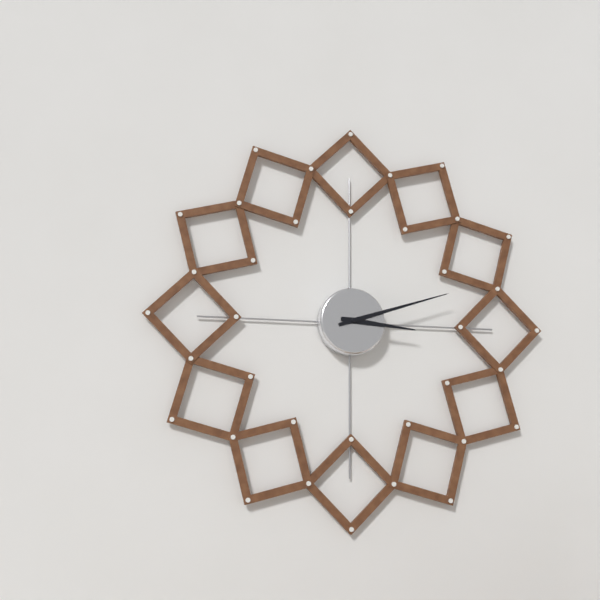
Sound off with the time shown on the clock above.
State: 3:12
